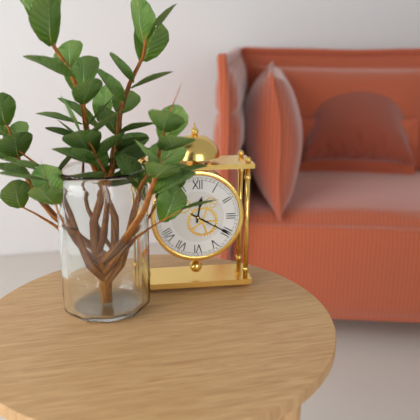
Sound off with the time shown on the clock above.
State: 12:20
